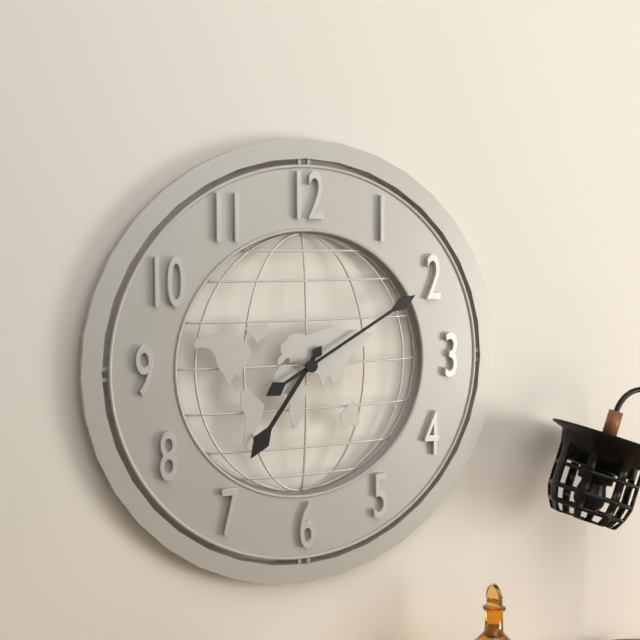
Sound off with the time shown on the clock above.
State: 7:10
